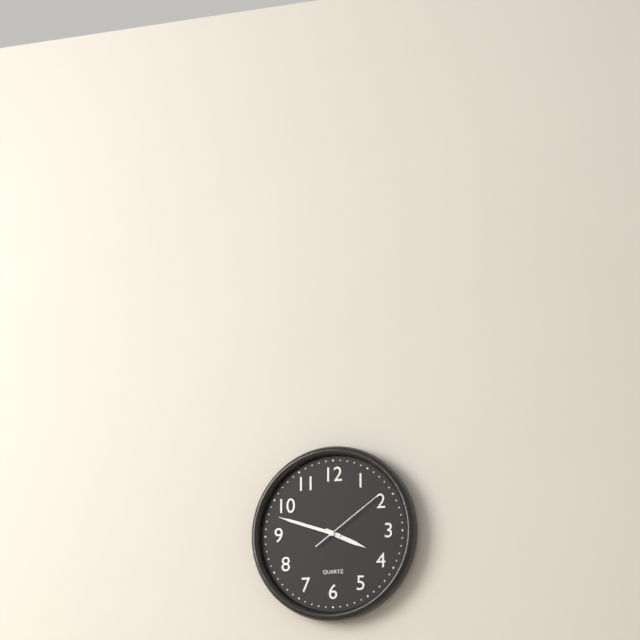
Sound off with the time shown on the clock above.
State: 3:48:09
